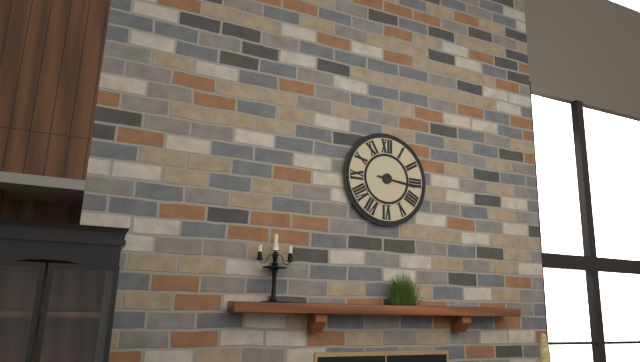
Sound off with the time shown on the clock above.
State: 3:16
